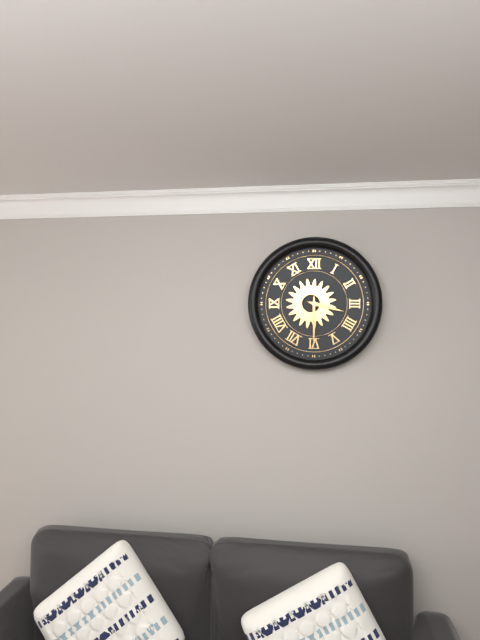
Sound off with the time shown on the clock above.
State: 3:30
